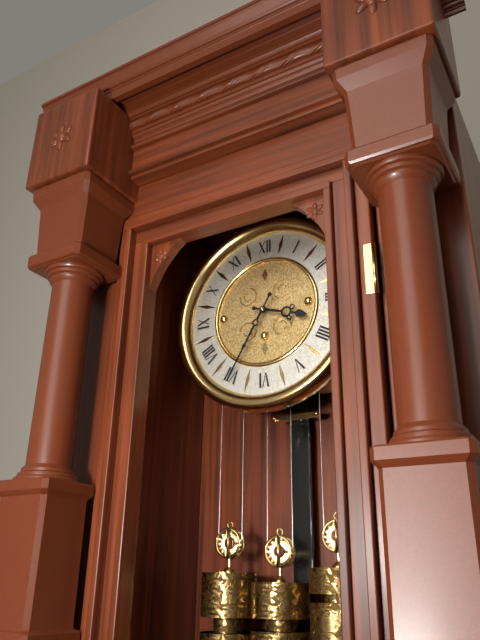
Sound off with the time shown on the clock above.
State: 3:35
